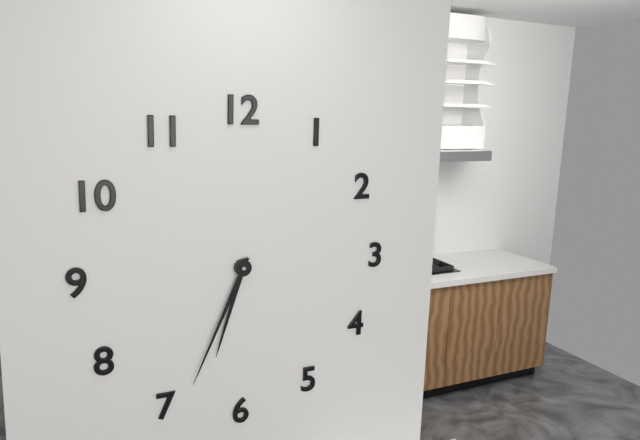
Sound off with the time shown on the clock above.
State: 6:34
